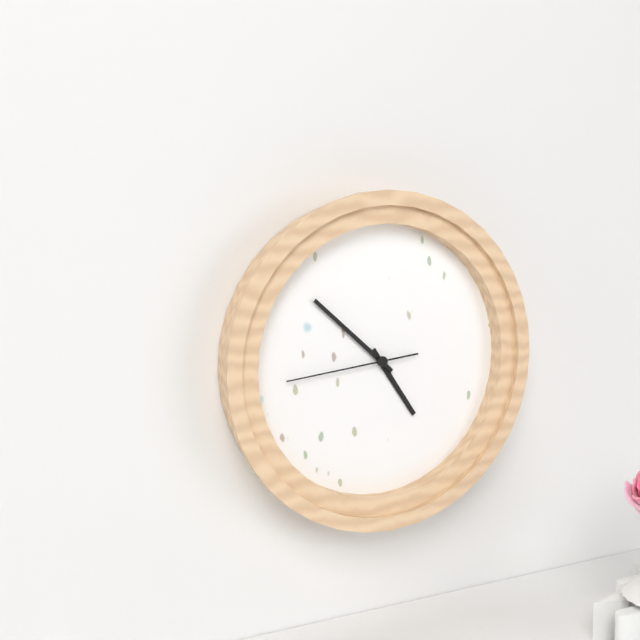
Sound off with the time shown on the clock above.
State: 4:52:44
